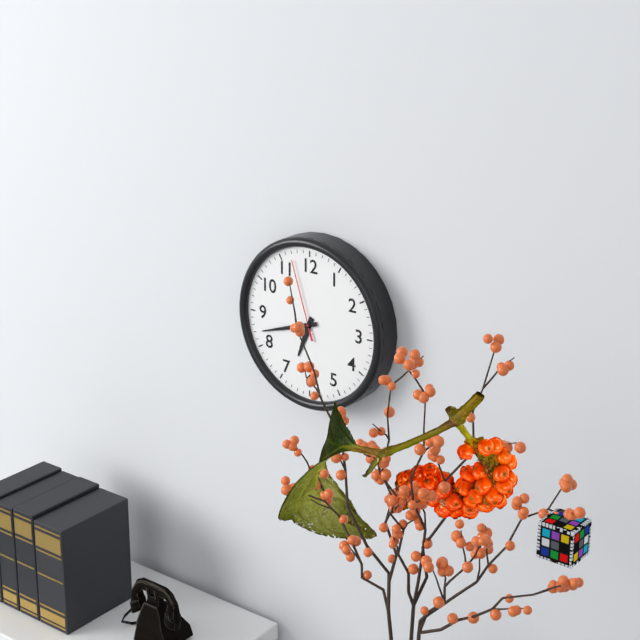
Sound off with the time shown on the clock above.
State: 6:42:57
